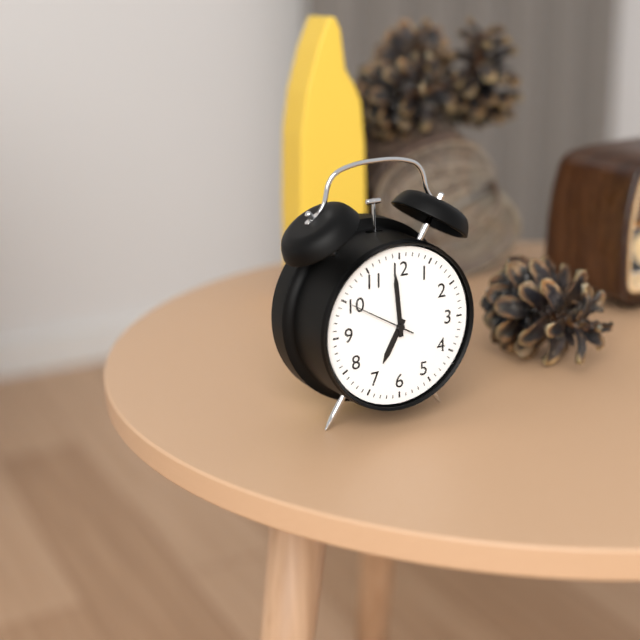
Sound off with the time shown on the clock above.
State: 6:59:50
